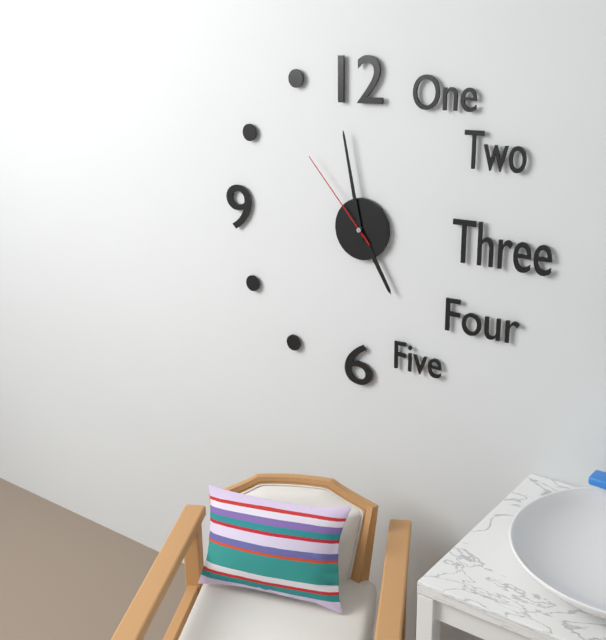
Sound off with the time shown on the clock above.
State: 4:58:53
